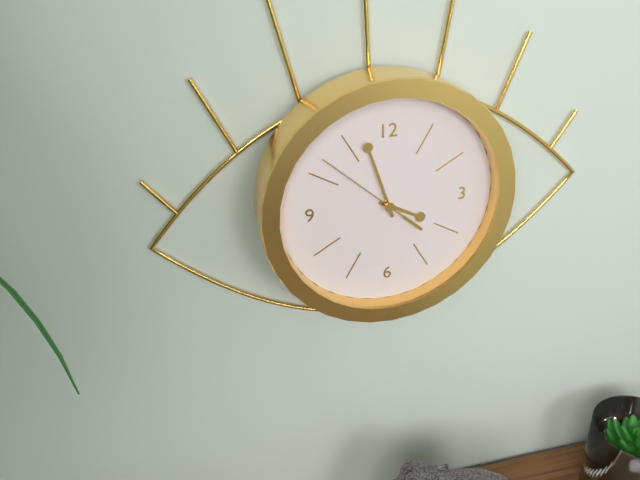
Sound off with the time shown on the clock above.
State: 3:57:52
